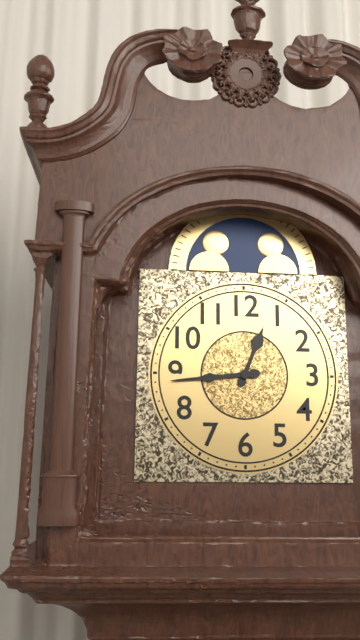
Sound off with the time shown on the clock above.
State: 12:44
